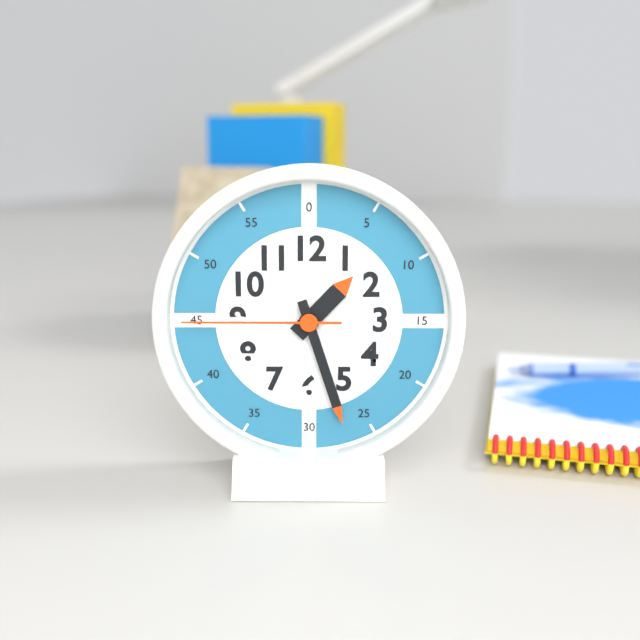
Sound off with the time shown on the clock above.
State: 1:27:45
